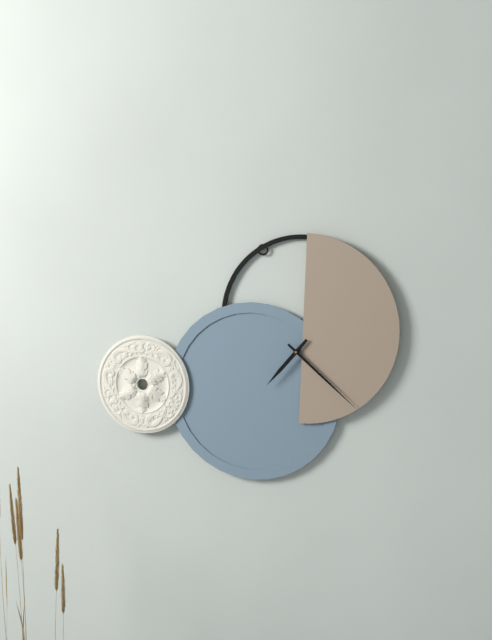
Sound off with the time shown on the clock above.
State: 7:22
